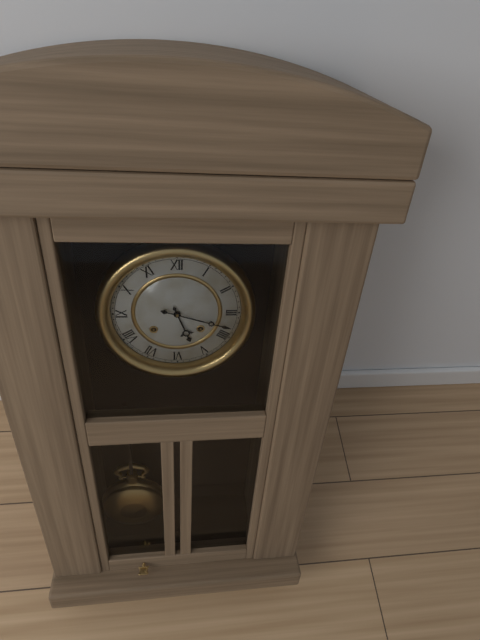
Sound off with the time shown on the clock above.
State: 5:18
